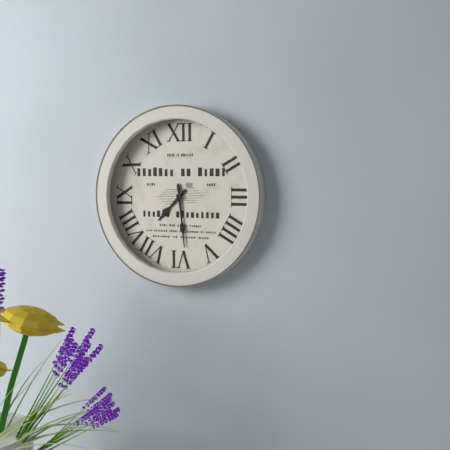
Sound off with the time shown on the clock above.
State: 7:29
